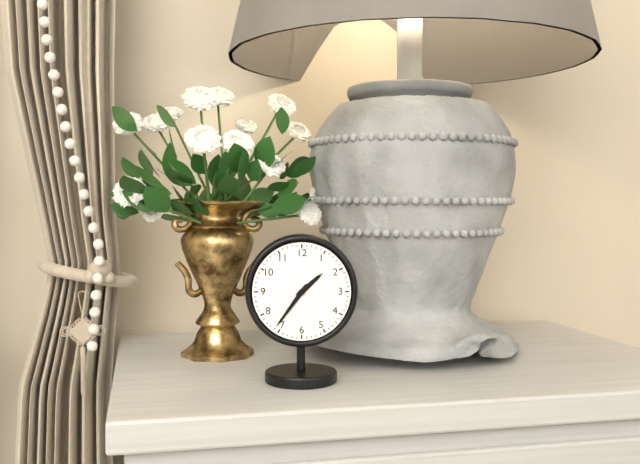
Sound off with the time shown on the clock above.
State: 1:36
